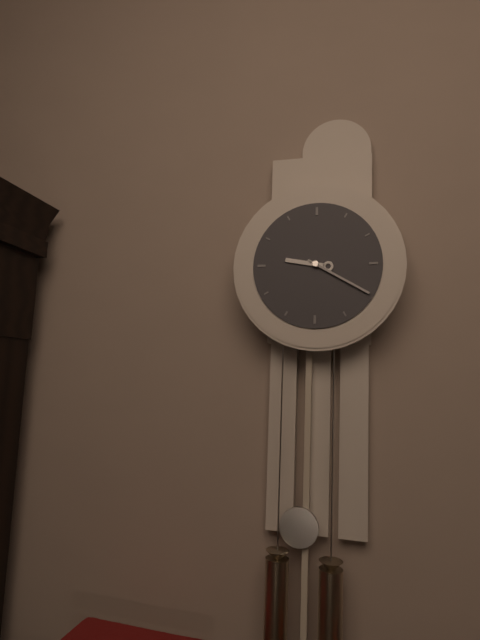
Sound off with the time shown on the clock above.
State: 9:20
